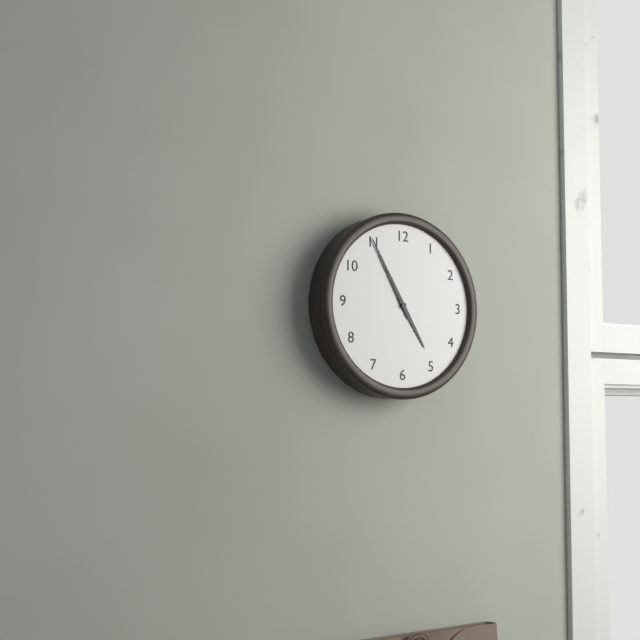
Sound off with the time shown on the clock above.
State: 4:55
